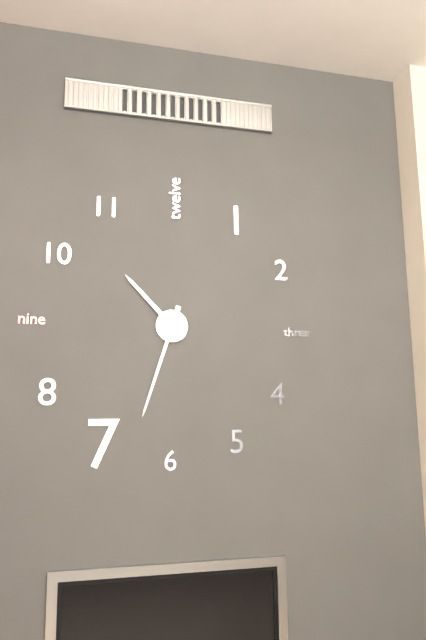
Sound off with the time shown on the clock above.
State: 10:33
